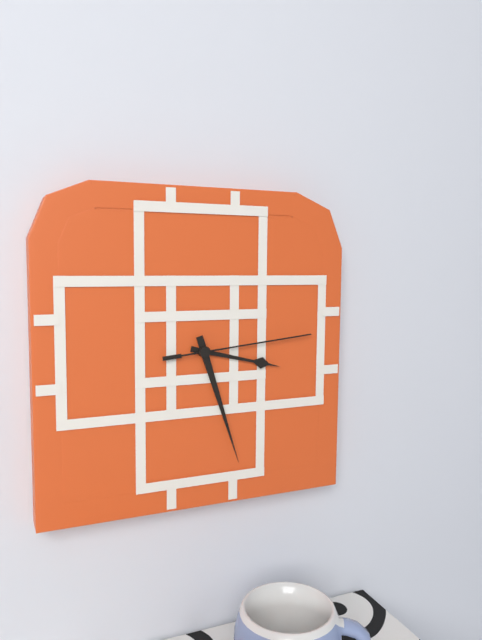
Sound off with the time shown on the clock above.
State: 3:27:14
